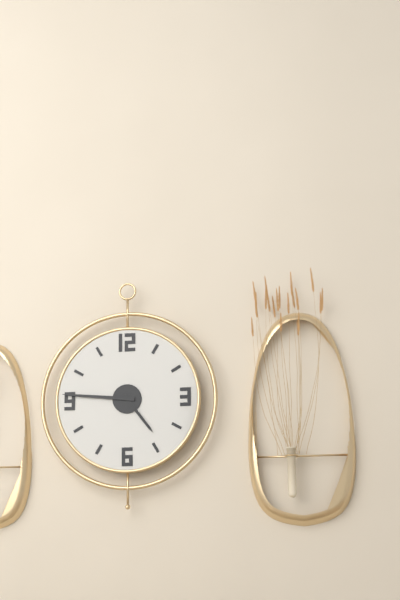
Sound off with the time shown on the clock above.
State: 4:46
